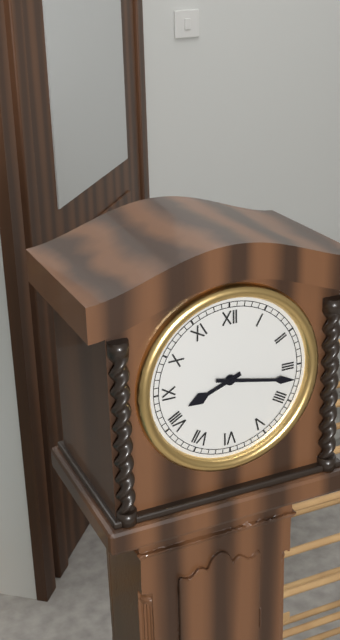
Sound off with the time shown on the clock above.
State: 8:17
